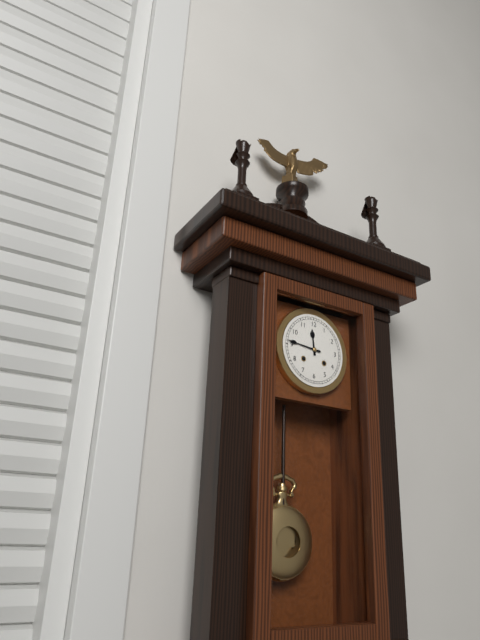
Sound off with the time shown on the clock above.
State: 11:46
